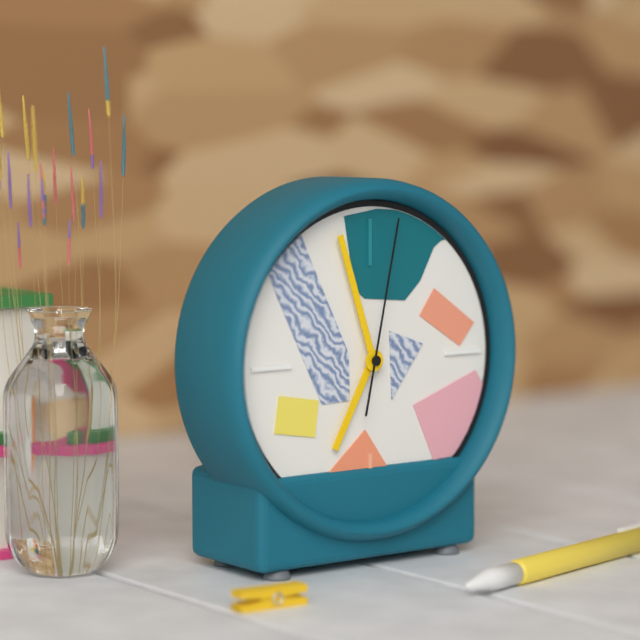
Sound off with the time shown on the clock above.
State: 6:57:02
